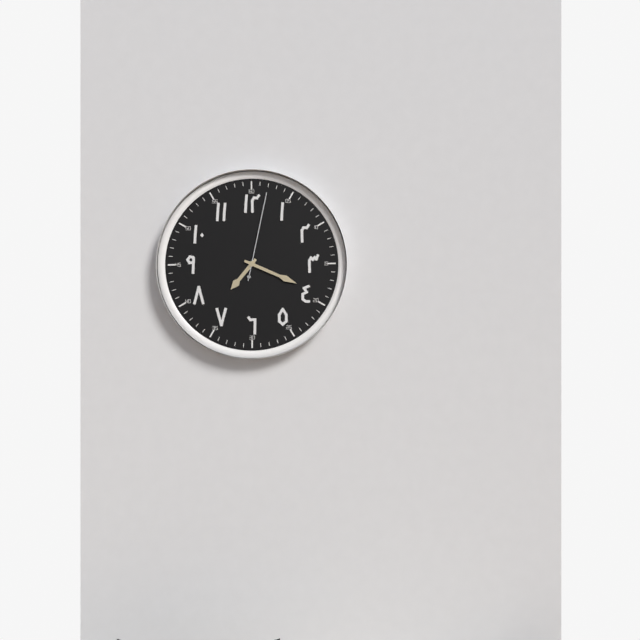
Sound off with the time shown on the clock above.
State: 7:19:02
